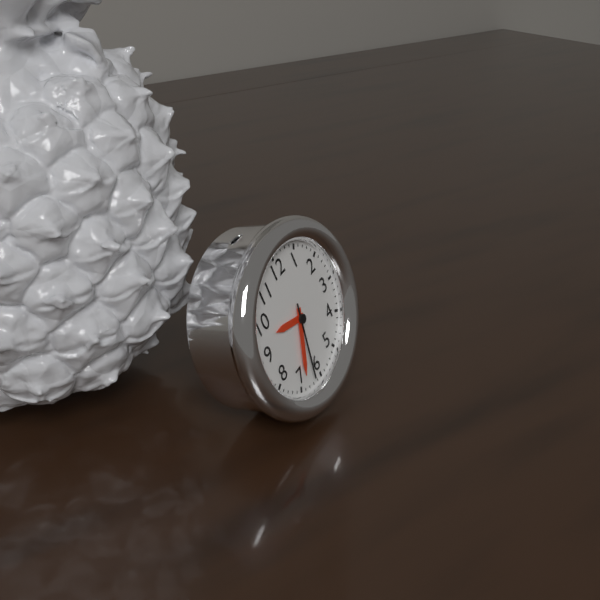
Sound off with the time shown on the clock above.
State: 9:34:32
